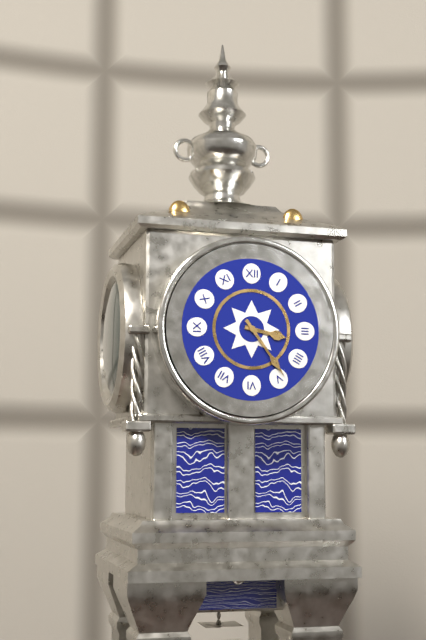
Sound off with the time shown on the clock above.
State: 3:24
